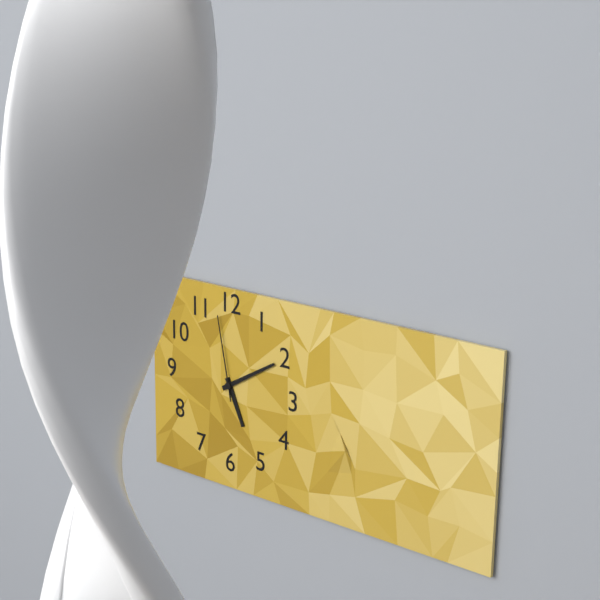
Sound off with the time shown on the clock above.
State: 5:10:58
